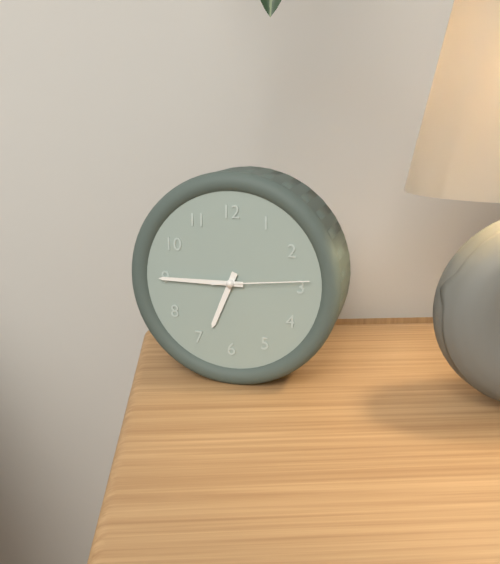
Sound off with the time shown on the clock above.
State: 6:45:14
